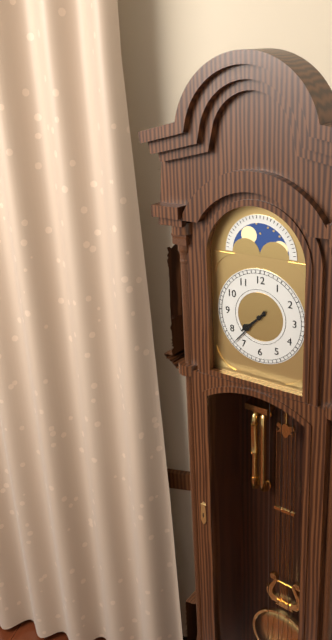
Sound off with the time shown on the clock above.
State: 7:37
